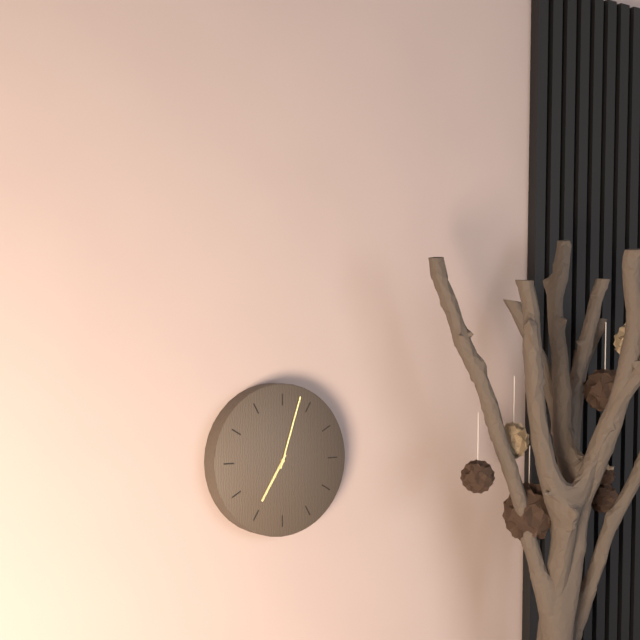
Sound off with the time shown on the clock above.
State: 7:03
